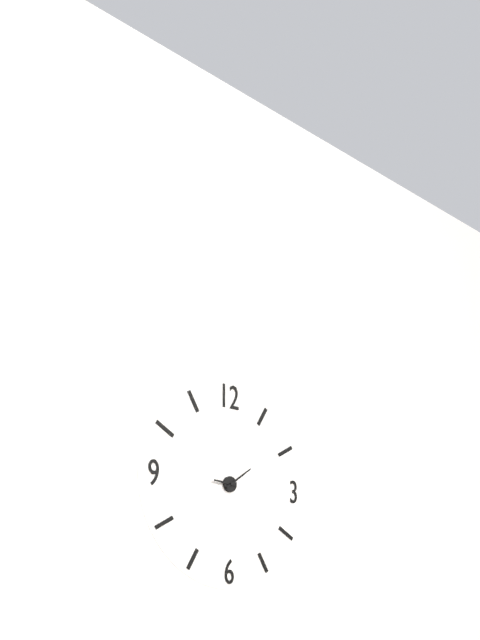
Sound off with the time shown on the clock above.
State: 9:09
